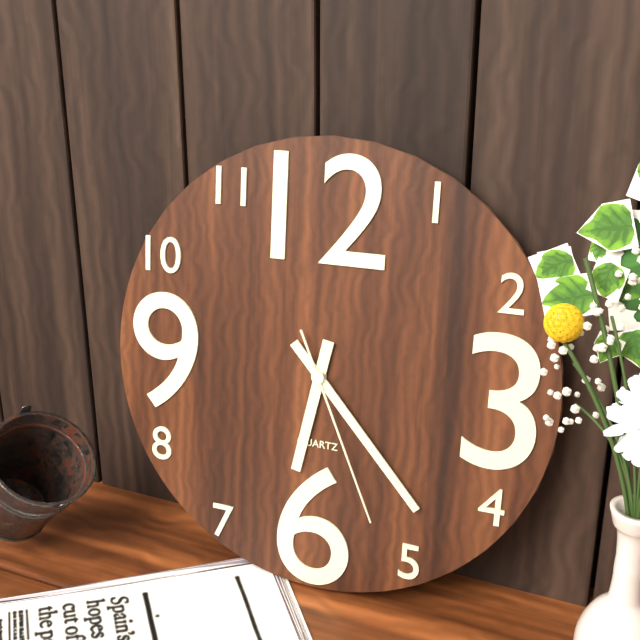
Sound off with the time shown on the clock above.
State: 6:23:26
